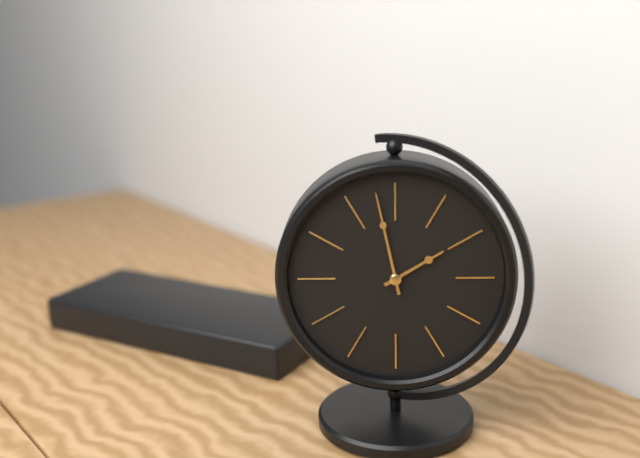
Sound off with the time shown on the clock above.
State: 1:58
